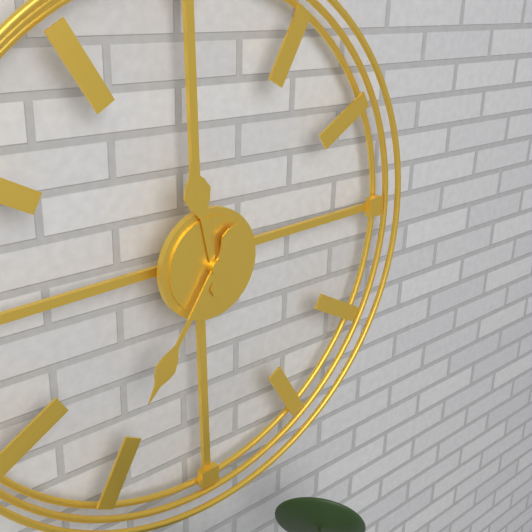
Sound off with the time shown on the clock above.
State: 11:36
